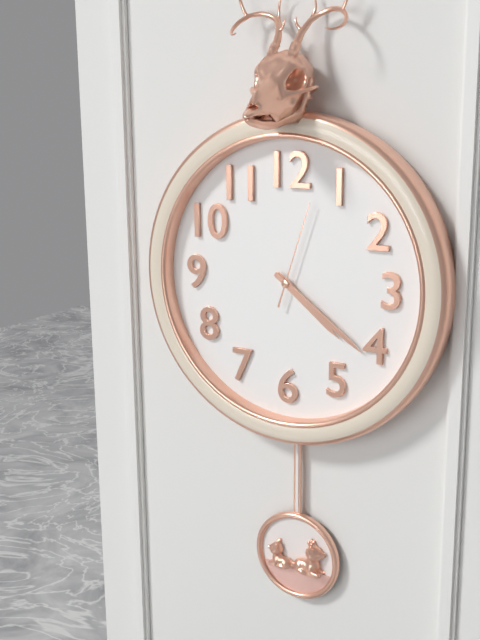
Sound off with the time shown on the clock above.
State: 4:21:03
